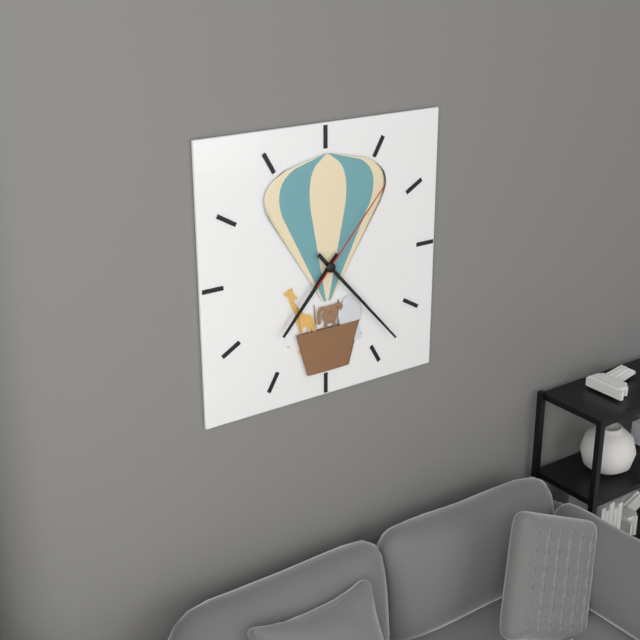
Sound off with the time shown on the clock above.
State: 7:23:07
